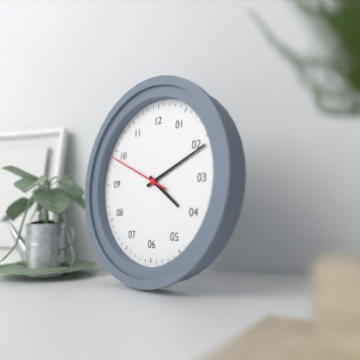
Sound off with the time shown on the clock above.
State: 4:11:49
